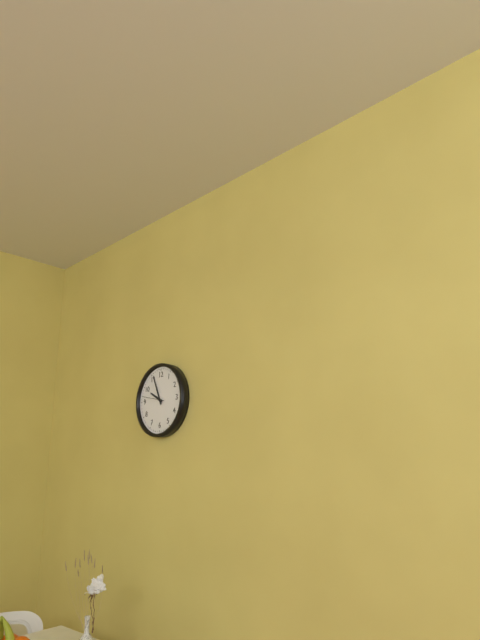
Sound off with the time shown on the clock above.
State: 9:56
